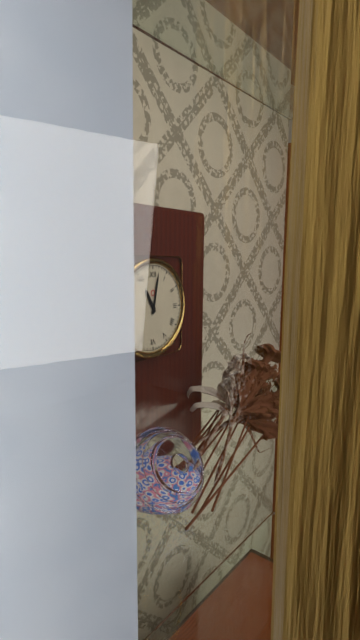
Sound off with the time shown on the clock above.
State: 11:02
